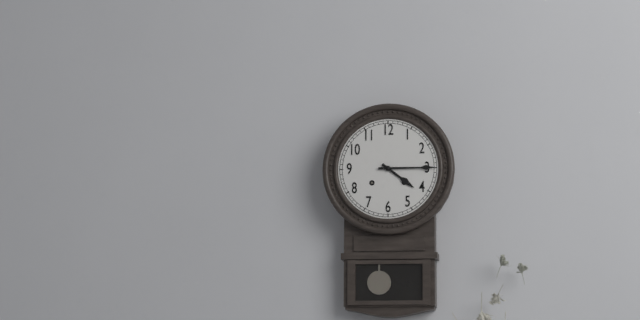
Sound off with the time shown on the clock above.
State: 4:15
